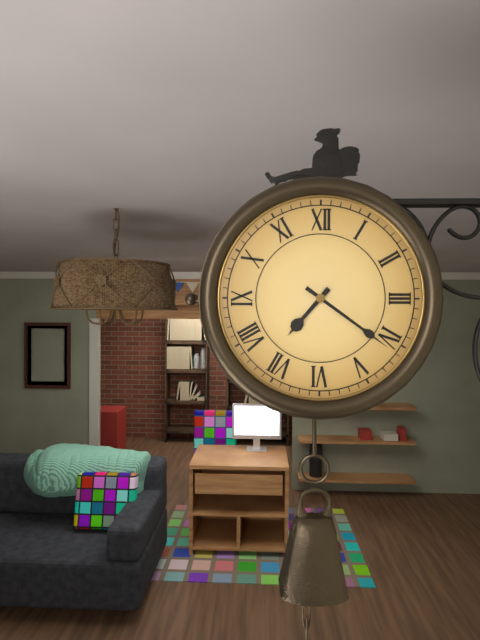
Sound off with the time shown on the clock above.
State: 7:21
